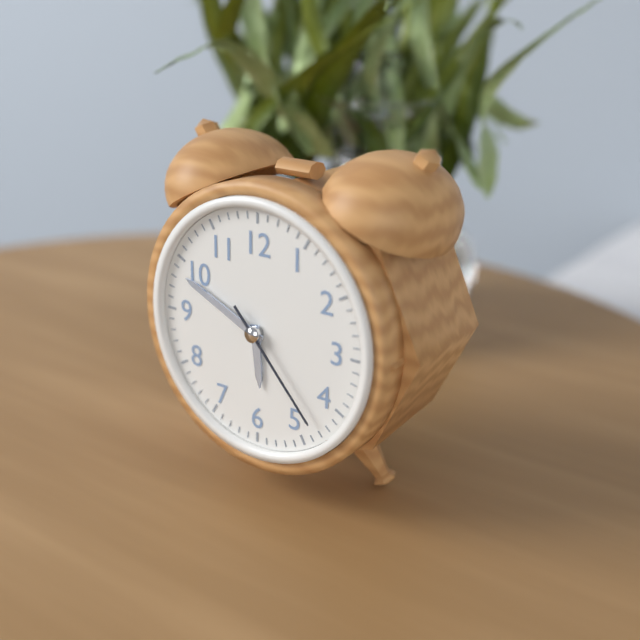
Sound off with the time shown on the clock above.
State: 5:49:23
